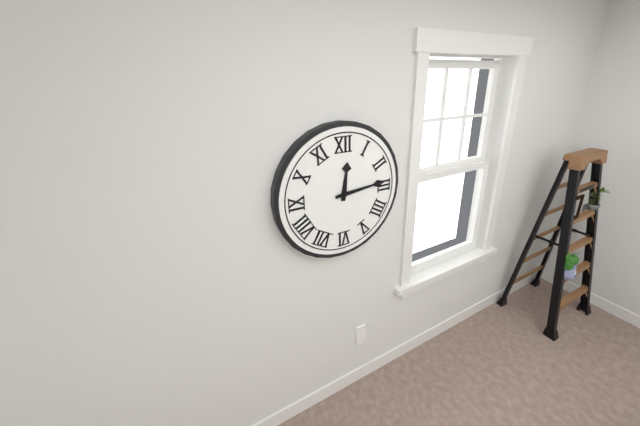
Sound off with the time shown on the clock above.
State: 12:14
